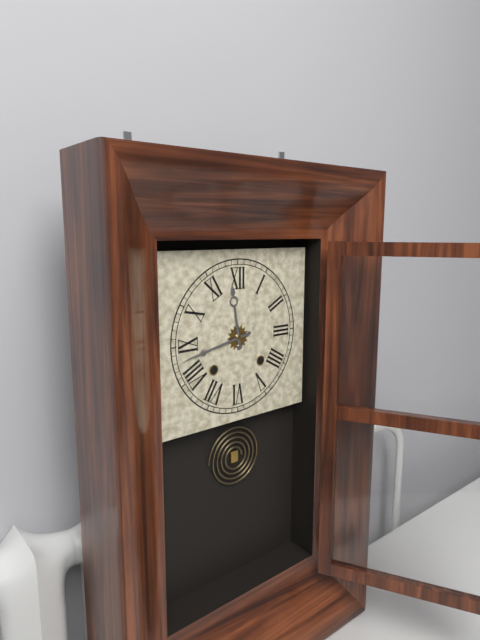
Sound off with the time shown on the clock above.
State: 11:43
